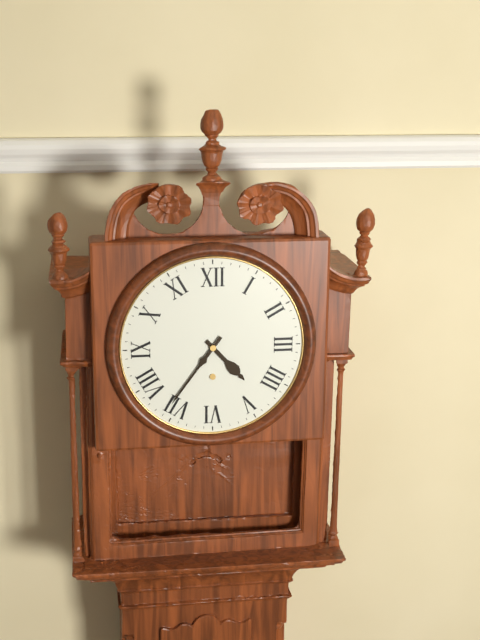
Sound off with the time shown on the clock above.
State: 4:36
